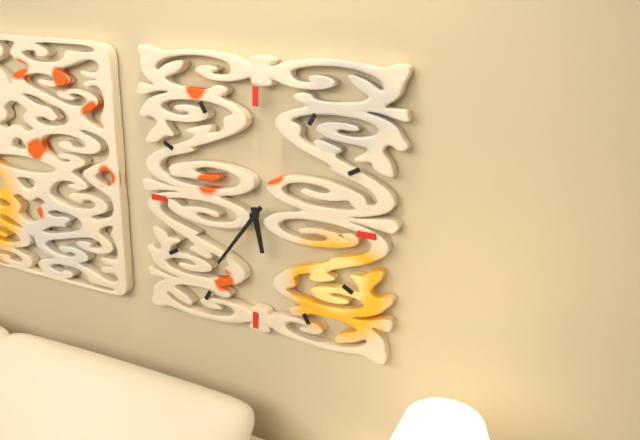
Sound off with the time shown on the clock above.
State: 5:36
